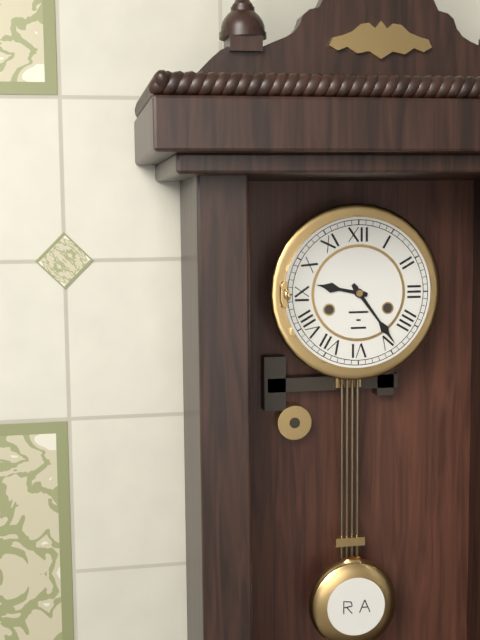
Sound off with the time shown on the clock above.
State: 9:24
